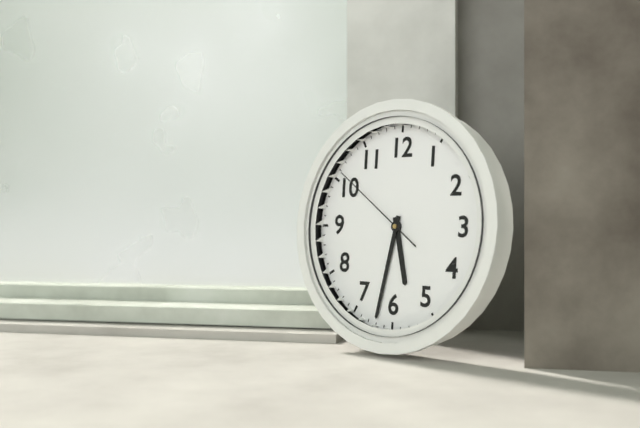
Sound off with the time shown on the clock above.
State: 5:32:51
